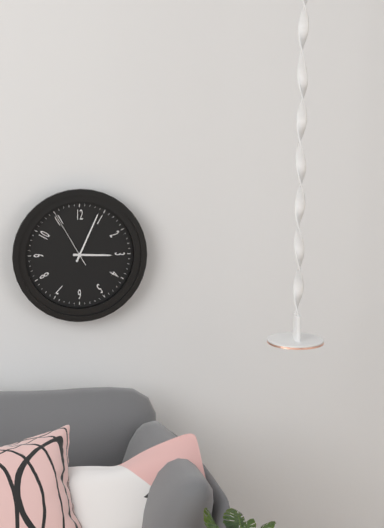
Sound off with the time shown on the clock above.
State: 3:04:55
